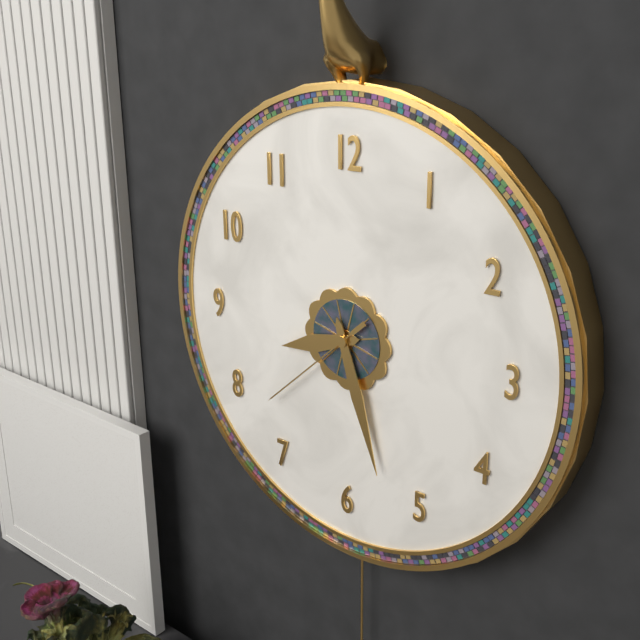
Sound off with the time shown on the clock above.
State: 8:27:38
